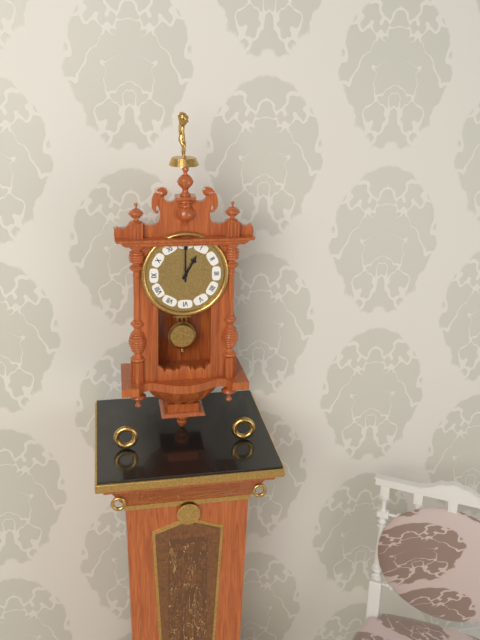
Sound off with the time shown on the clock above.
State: 1:00
